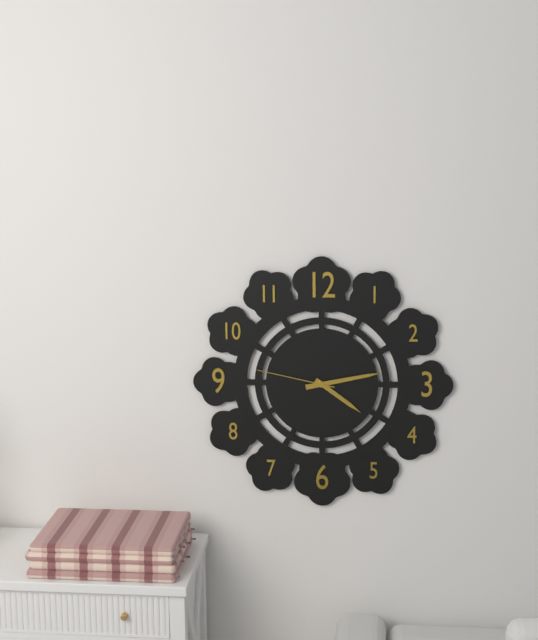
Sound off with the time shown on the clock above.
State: 4:13:47
